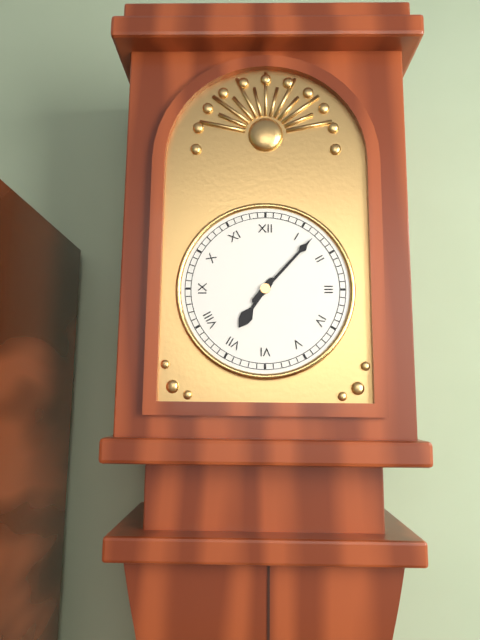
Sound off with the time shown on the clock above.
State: 7:07
